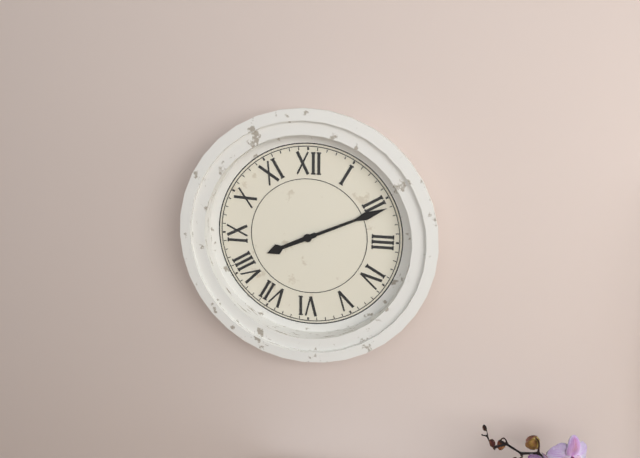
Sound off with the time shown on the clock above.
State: 8:11
